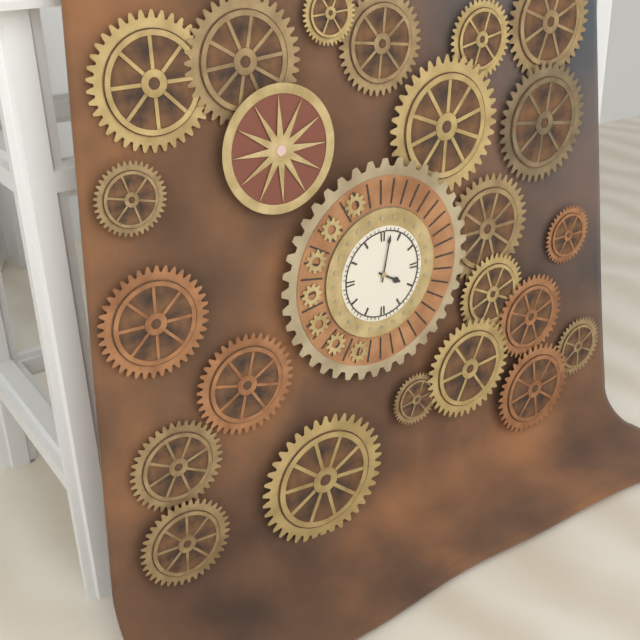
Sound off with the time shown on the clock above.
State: 4:02
